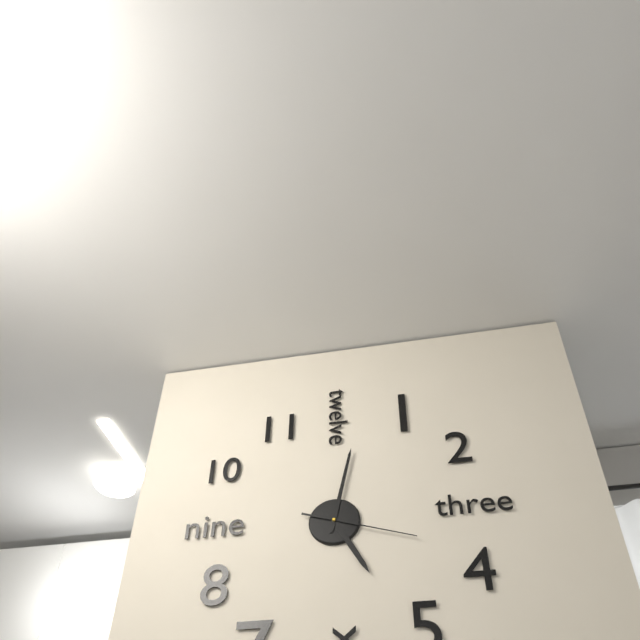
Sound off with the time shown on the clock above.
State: 5:02:18
